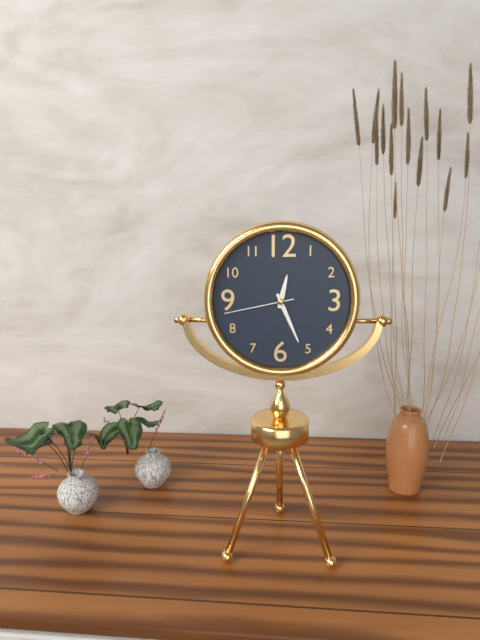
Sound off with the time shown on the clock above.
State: 12:26:43
